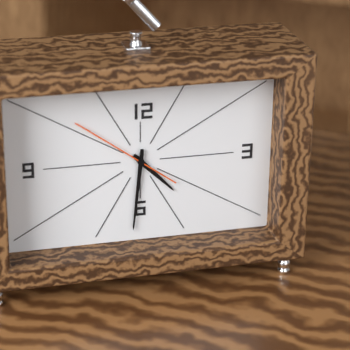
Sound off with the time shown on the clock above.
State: 4:31:51
